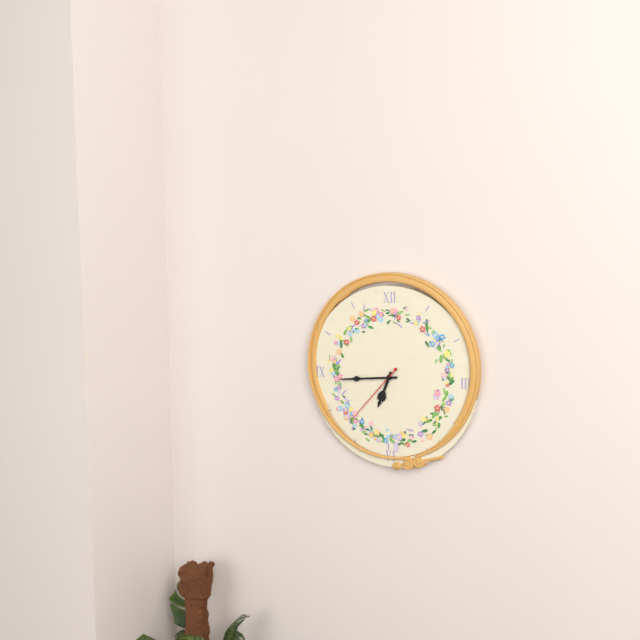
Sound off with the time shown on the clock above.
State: 6:44:37
